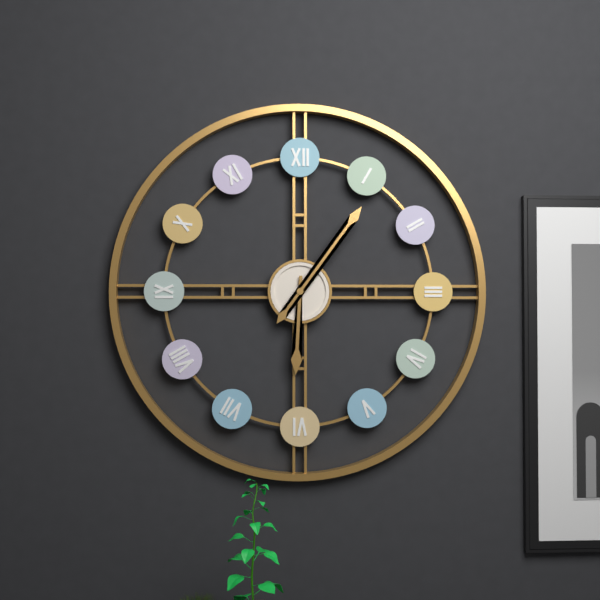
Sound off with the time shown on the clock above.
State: 6:06
